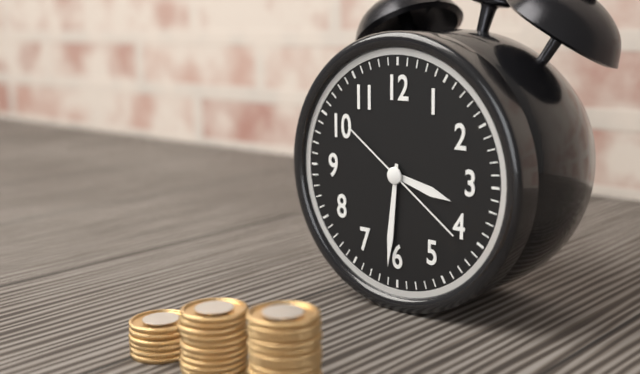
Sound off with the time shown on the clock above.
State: 3:31:21
